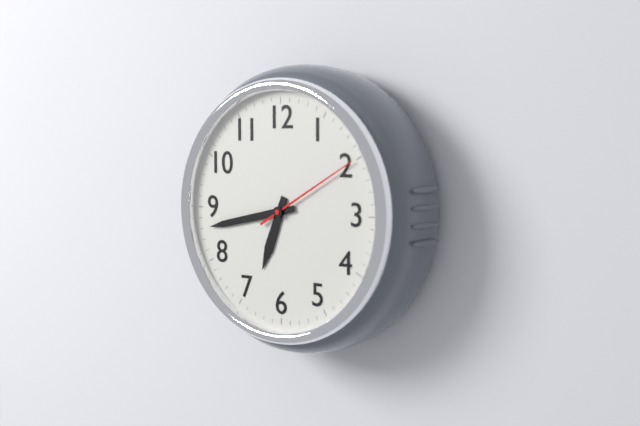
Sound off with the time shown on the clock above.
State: 6:43:10
